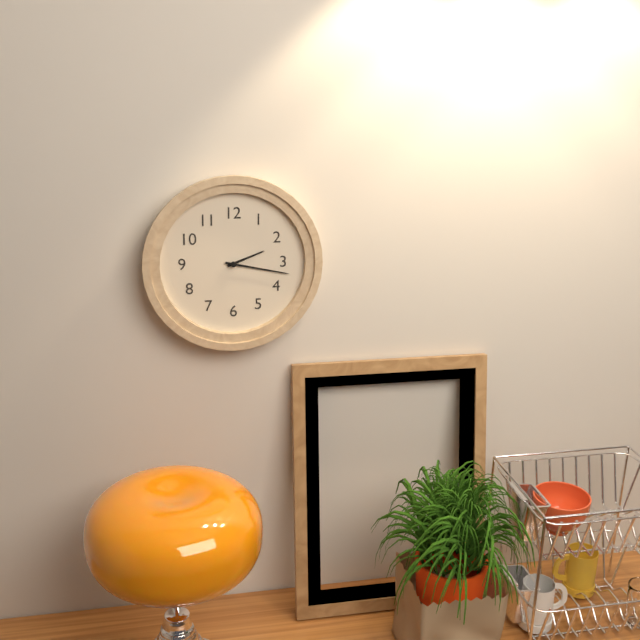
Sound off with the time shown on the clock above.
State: 2:17
